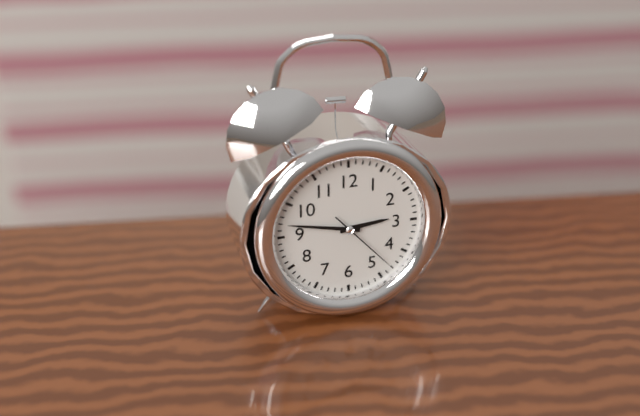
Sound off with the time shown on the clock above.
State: 2:47:23
